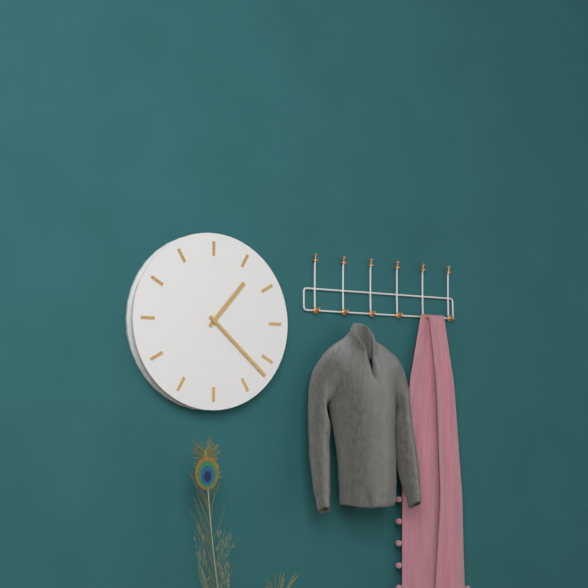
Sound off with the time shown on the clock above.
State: 1:22
